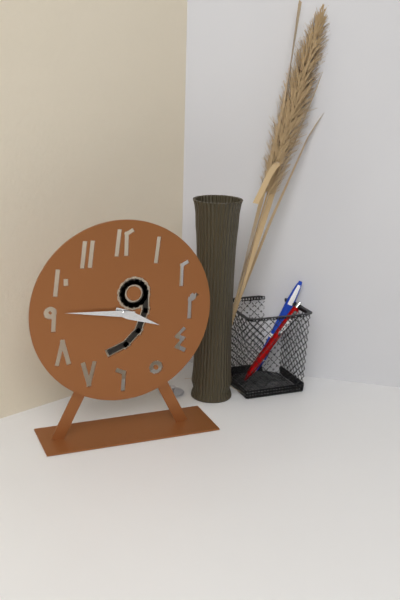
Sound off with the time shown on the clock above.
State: 3:46
